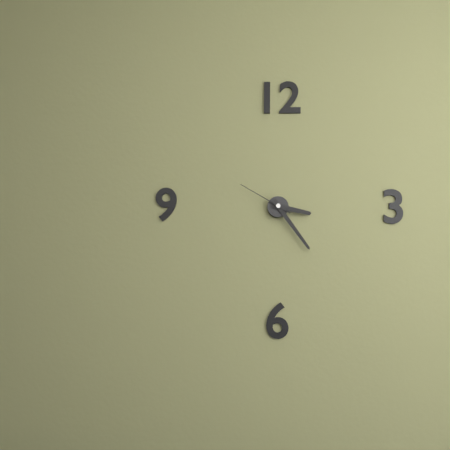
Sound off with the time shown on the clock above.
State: 3:24:50
